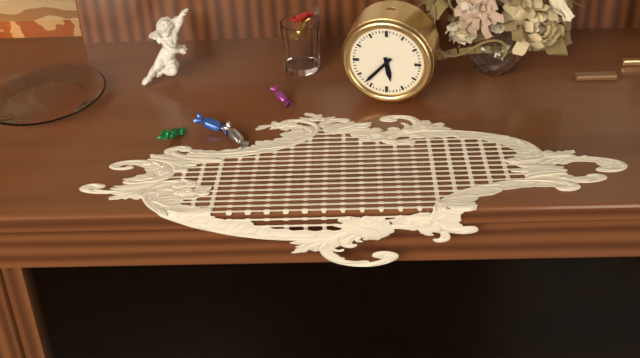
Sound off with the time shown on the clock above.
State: 5:37
